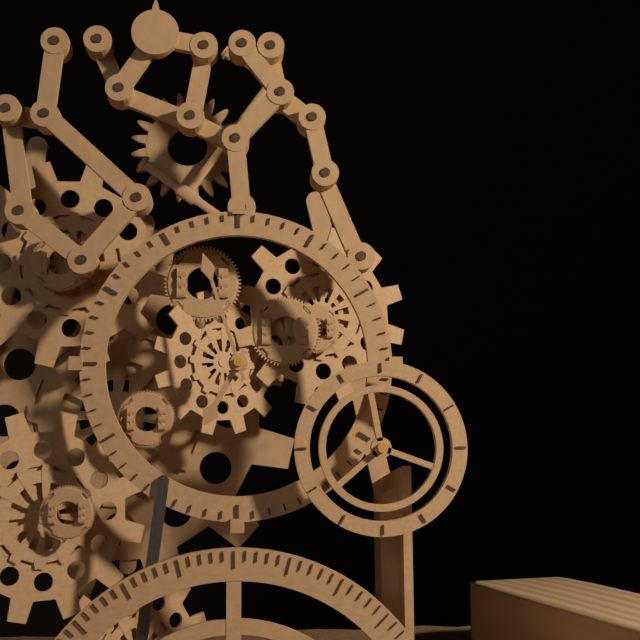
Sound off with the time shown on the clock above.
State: 6:57
